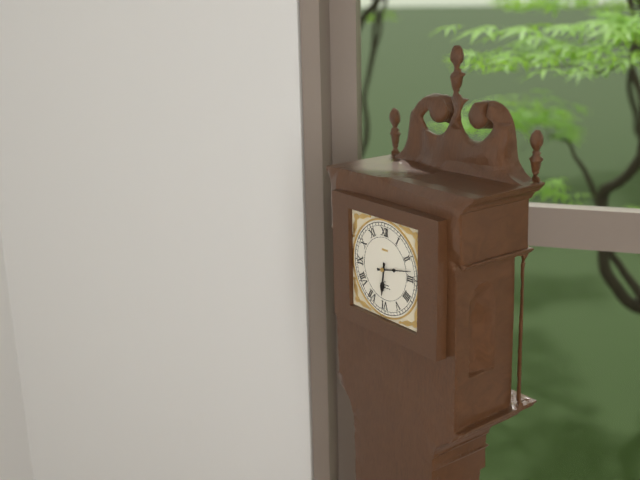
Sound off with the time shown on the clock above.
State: 6:13
